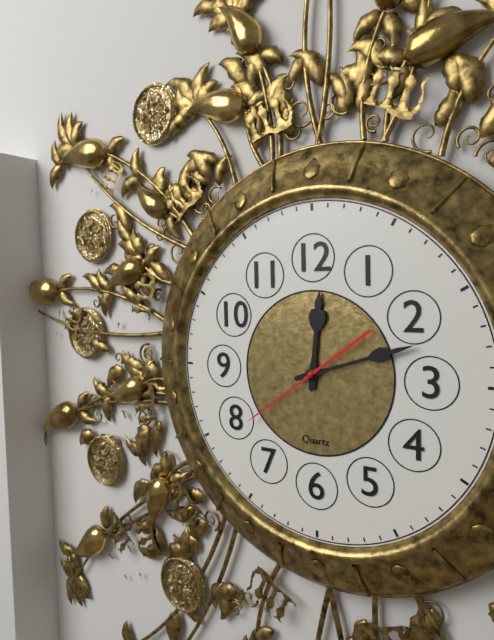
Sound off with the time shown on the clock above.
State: 12:12:39
